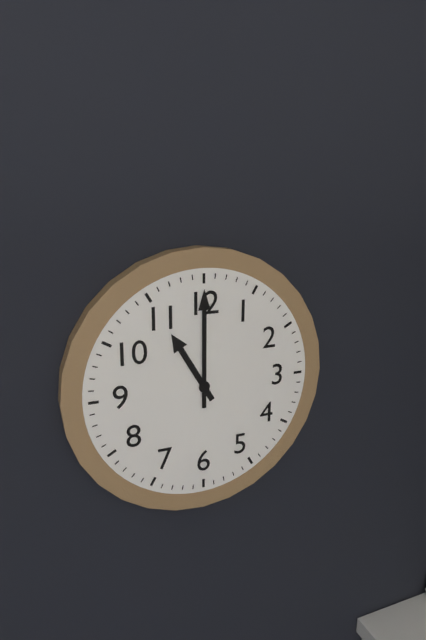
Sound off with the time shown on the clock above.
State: 11:00
